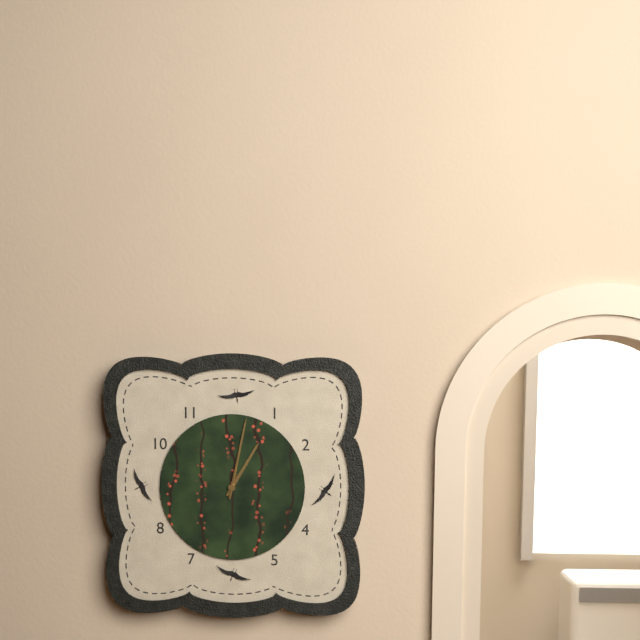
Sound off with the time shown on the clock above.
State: 1:02:02
